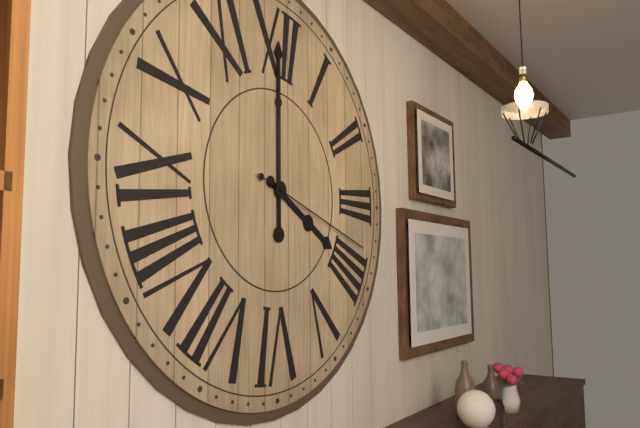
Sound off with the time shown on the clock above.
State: 4:00:18
